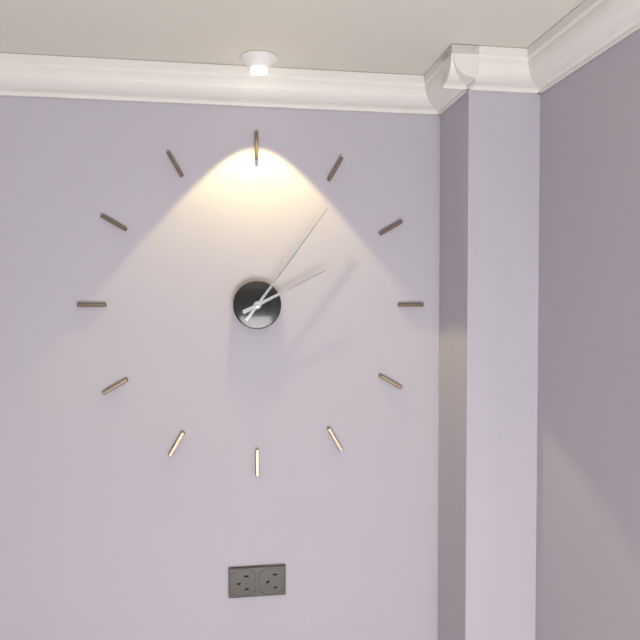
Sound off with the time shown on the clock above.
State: 2:06
